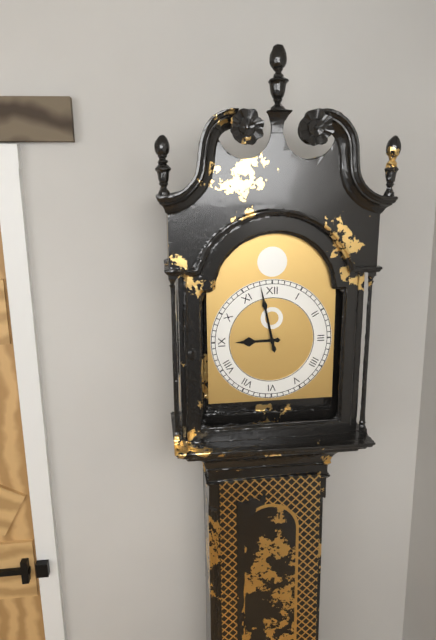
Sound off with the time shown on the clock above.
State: 8:58
